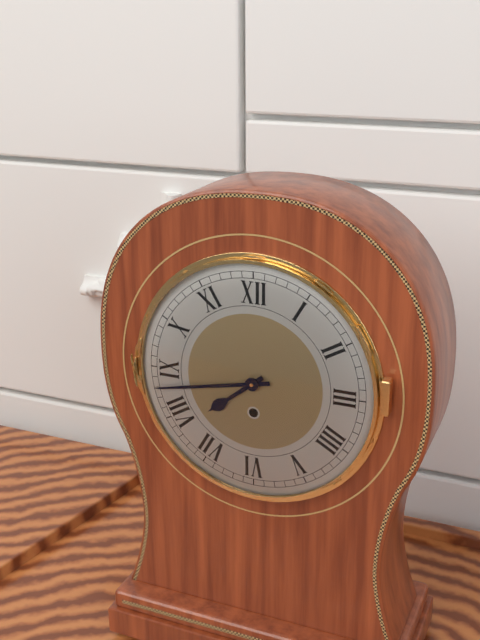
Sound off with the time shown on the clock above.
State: 7:43
